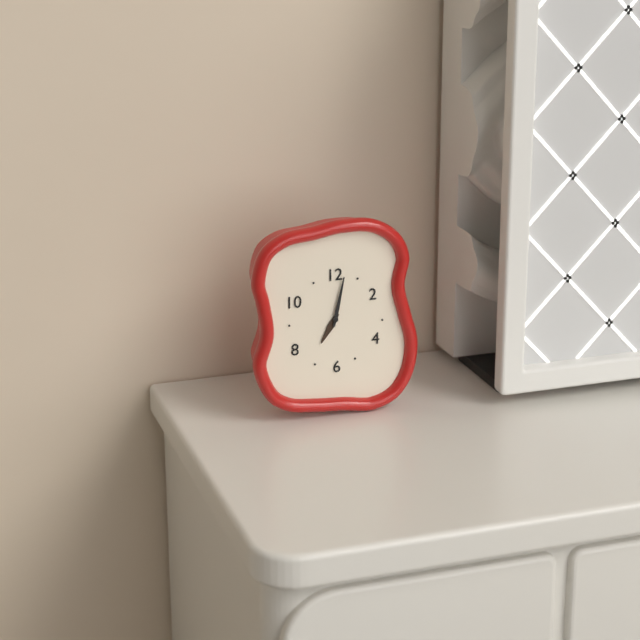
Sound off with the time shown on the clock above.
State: 7:02
